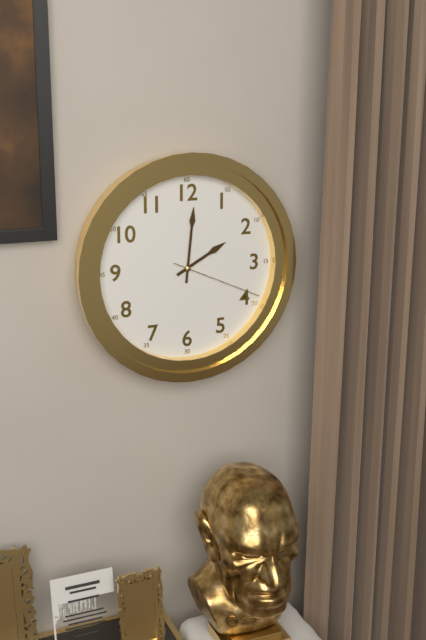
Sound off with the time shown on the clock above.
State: 2:01:19
